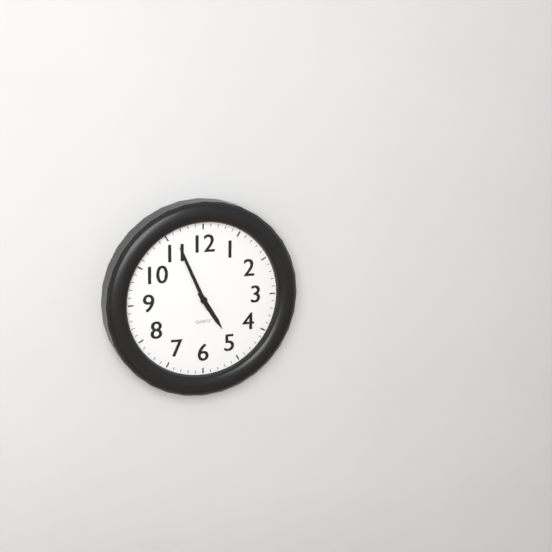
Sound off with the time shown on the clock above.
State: 4:56
